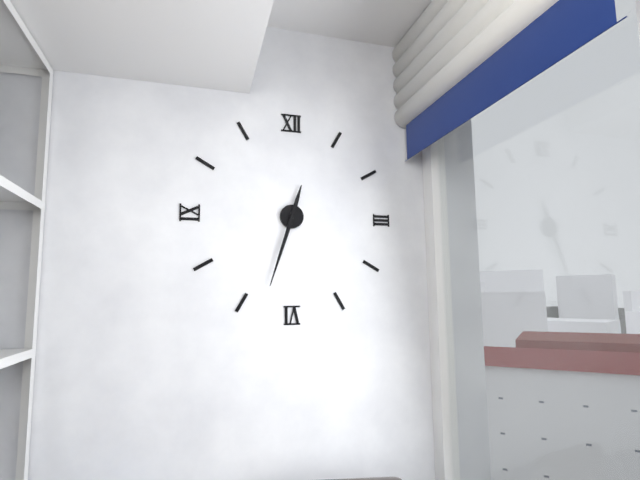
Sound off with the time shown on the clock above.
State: 12:33
